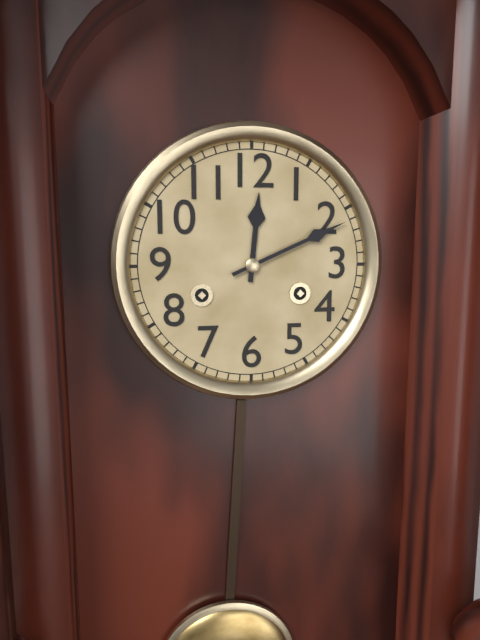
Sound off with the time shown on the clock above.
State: 12:11
